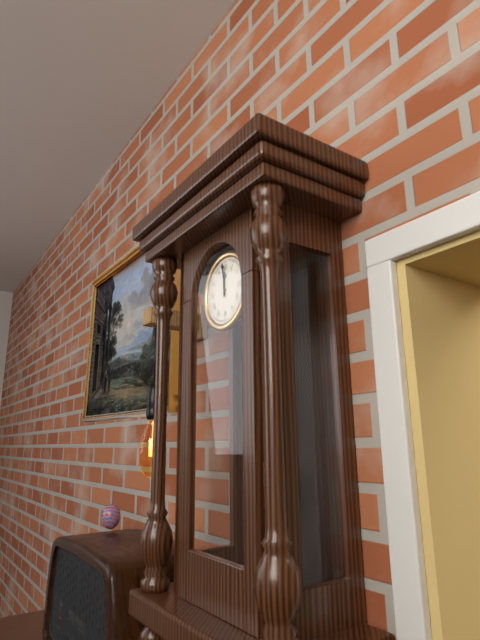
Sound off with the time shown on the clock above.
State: 11:59
